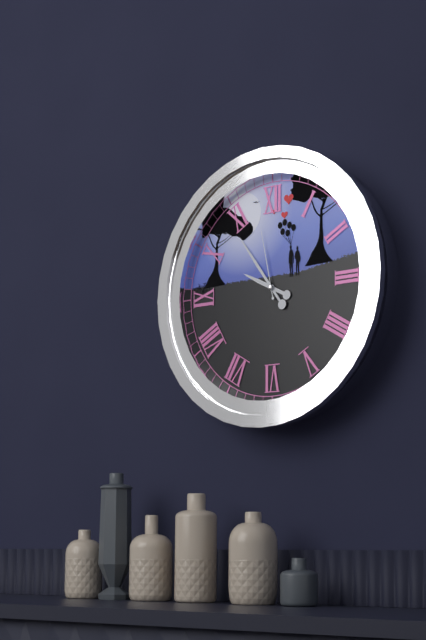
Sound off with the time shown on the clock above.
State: 9:54:58
